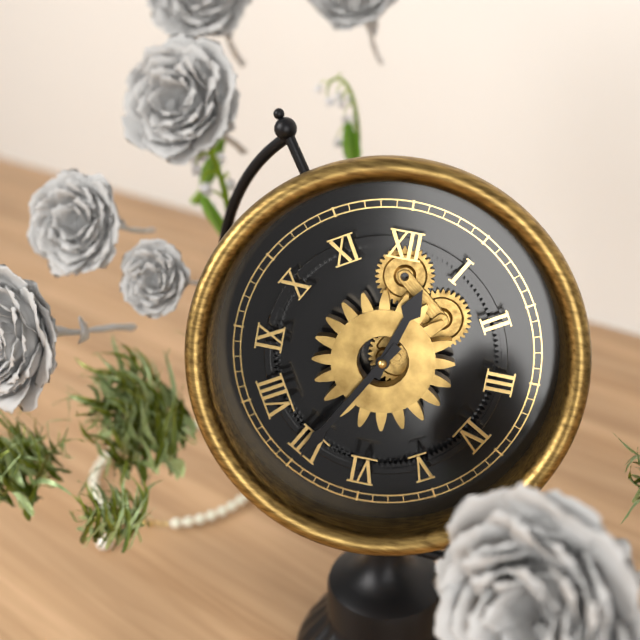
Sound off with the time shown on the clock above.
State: 12:35
